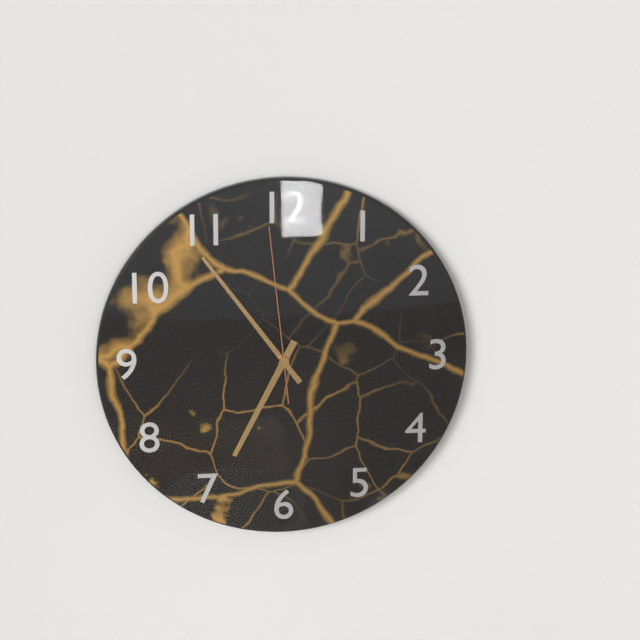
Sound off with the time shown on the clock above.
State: 6:54:59
